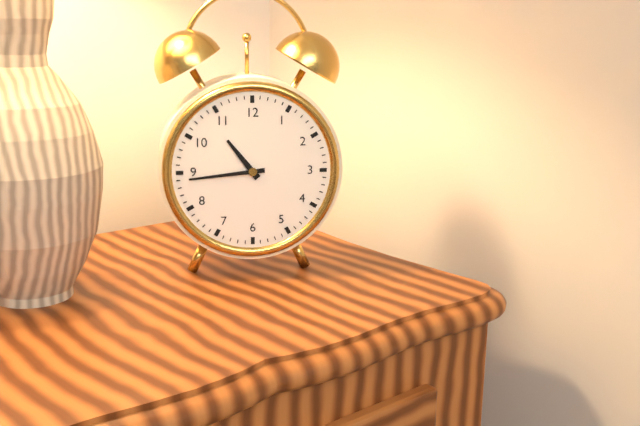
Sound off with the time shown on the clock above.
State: 10:44
